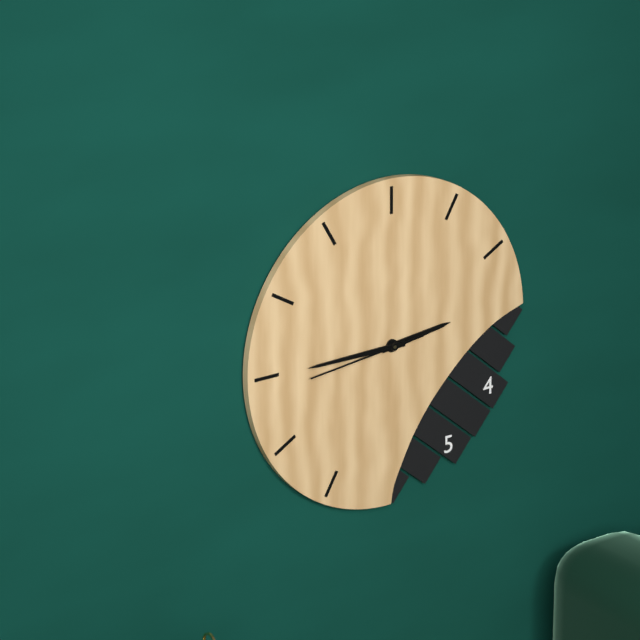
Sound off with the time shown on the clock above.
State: 2:45:44
